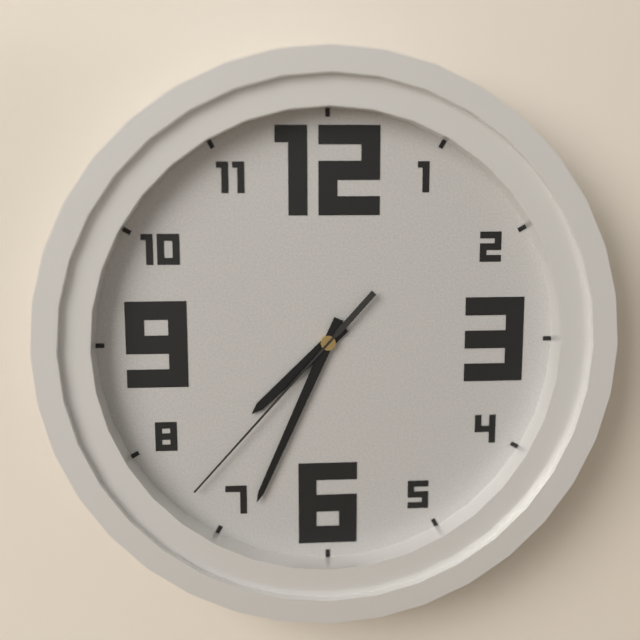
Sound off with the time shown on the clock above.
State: 7:34:37
